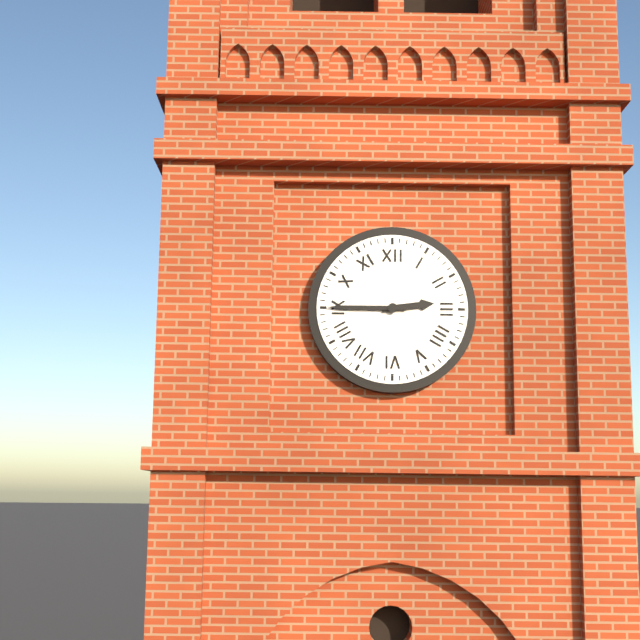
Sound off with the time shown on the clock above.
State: 2:45
